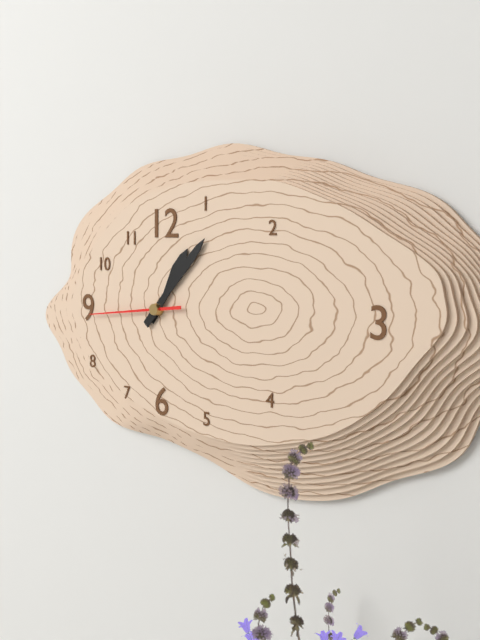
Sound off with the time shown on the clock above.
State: 1:07:44
